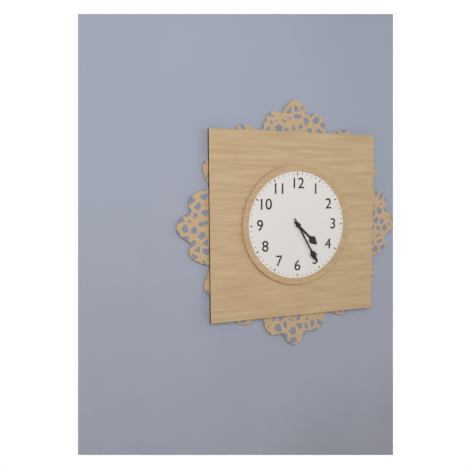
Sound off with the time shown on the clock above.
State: 4:25
